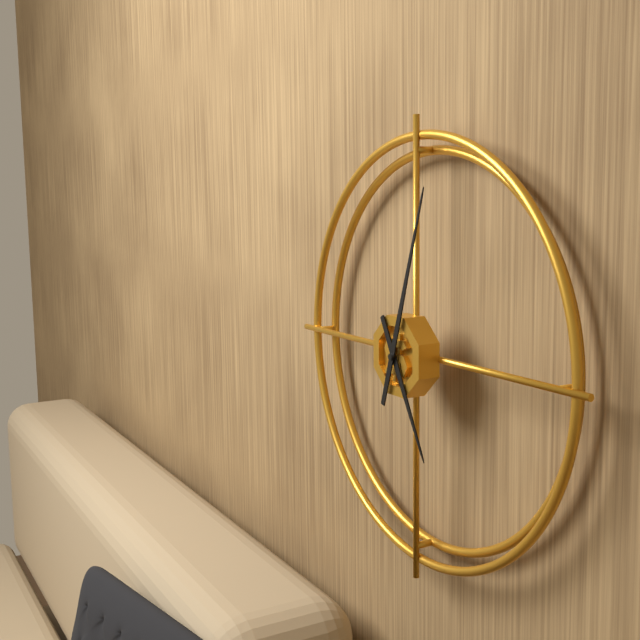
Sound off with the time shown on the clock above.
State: 5:03
